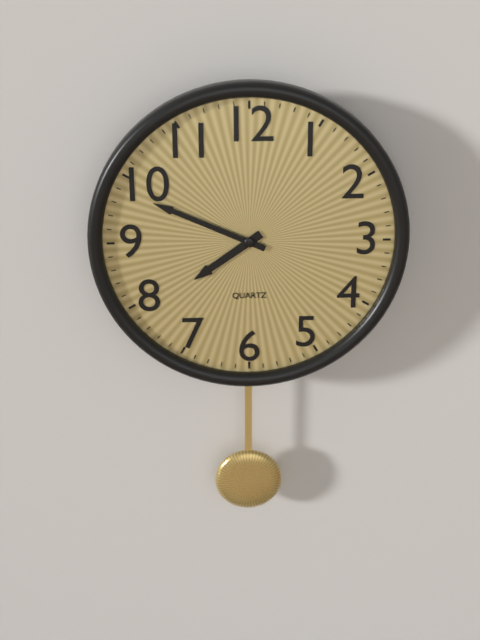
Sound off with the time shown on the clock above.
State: 7:49
